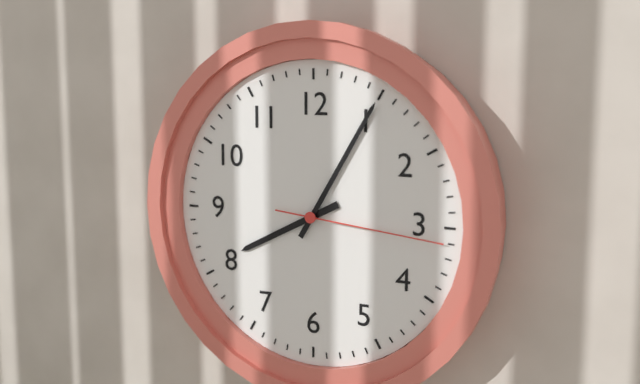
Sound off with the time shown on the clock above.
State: 8:05:16
